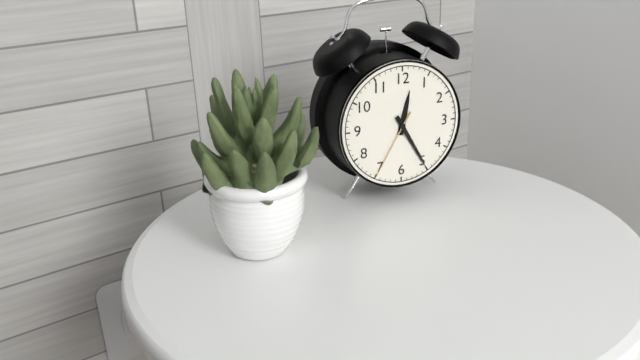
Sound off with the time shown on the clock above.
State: 12:25:35
